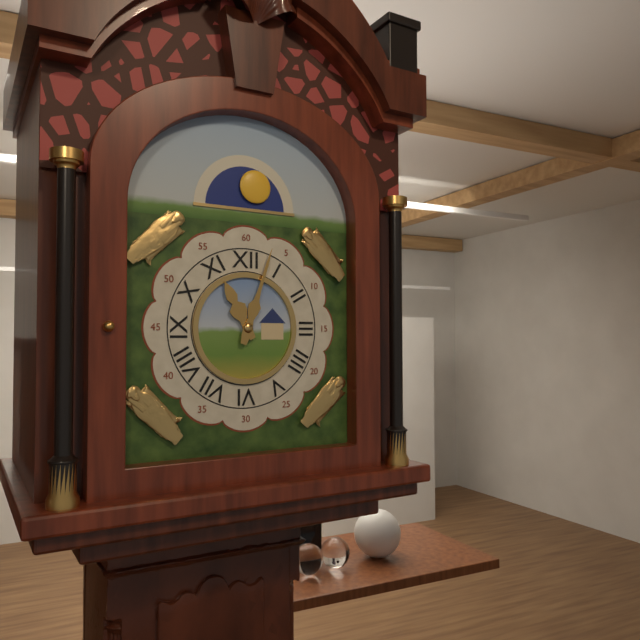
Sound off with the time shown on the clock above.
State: 11:03
